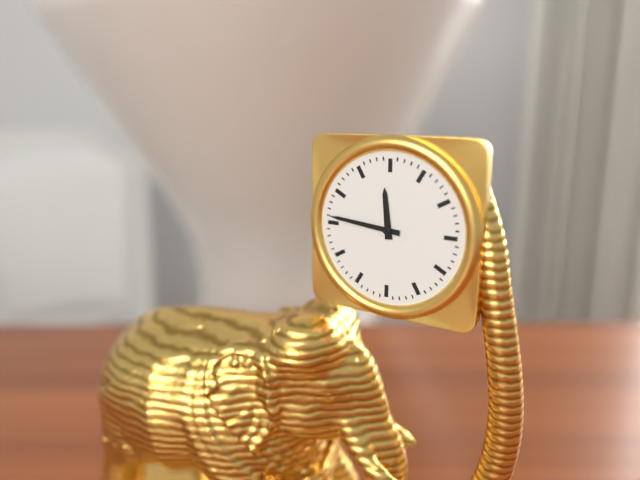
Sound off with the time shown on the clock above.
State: 11:46
